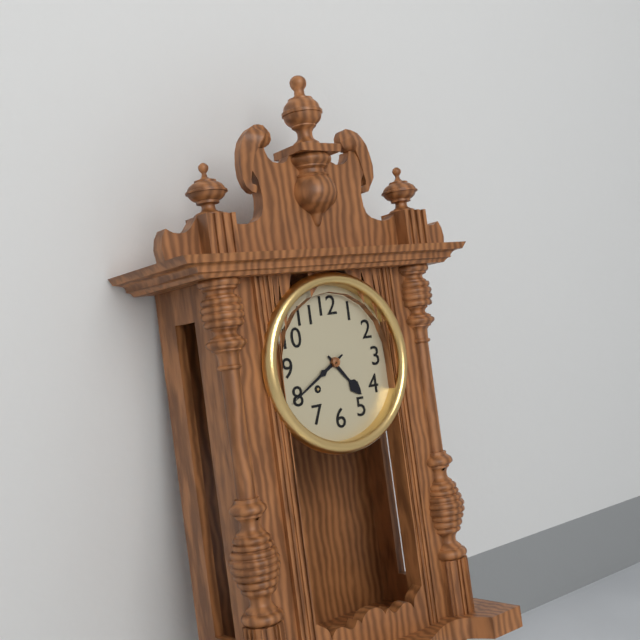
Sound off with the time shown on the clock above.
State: 4:40
